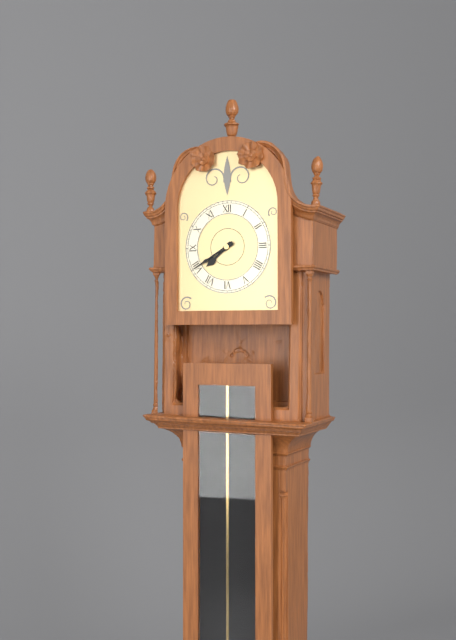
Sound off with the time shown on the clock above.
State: 7:40
